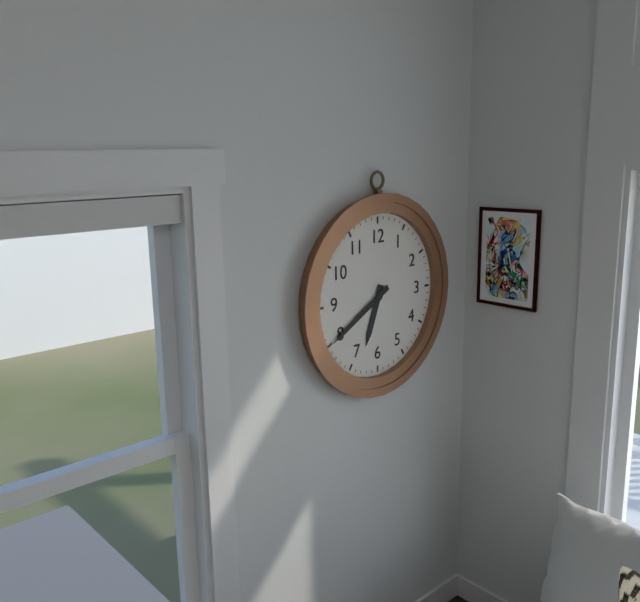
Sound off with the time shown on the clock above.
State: 6:40
